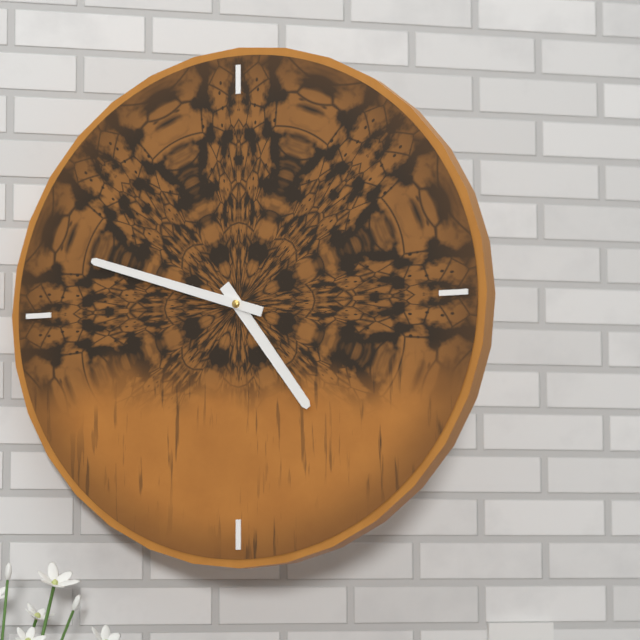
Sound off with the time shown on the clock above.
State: 4:48
